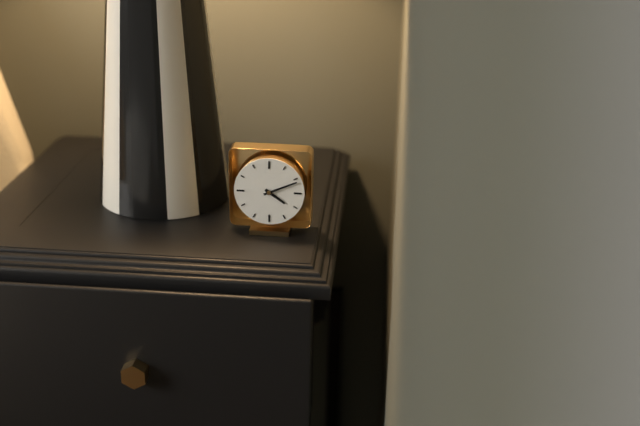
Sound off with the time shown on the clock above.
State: 4:11
